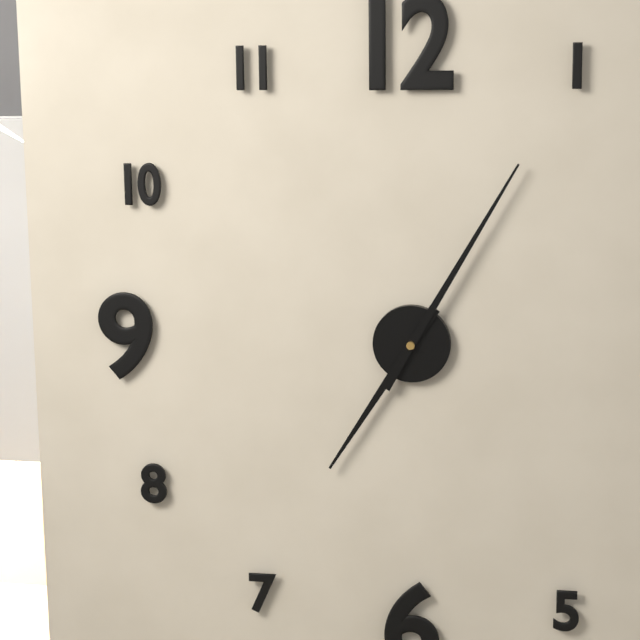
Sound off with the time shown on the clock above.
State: 7:05
